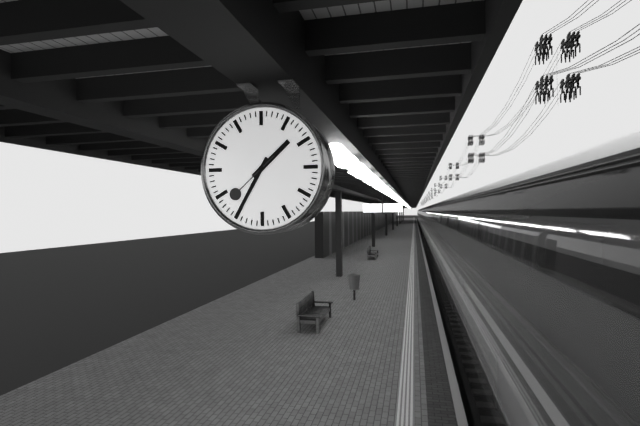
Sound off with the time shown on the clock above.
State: 1:35:38
